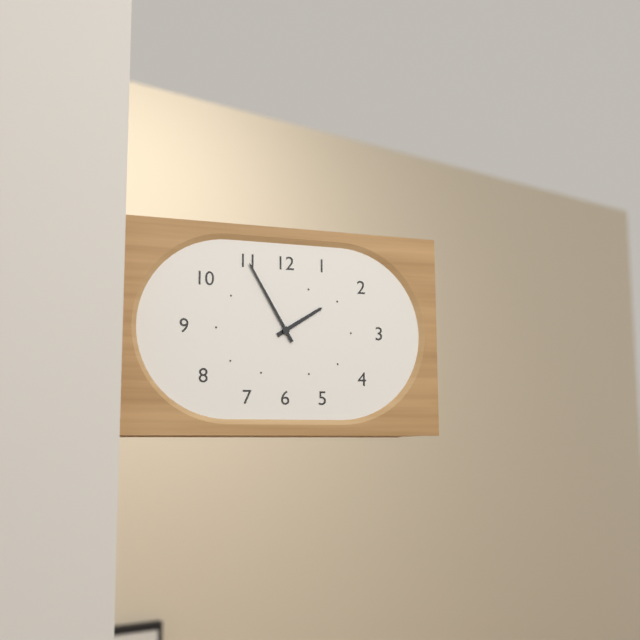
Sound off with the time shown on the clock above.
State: 1:55
